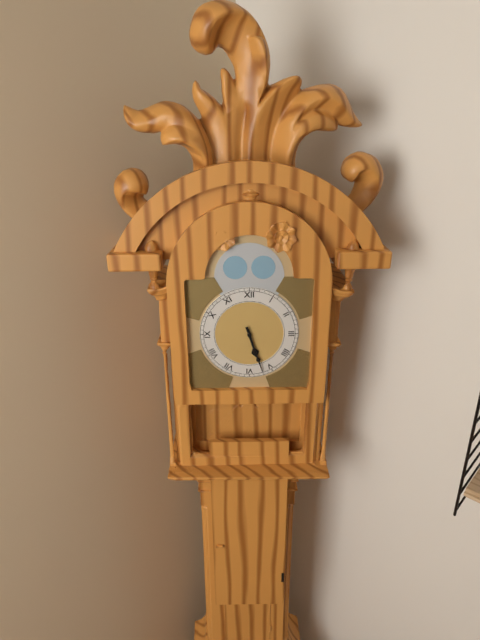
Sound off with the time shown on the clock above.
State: 5:27
